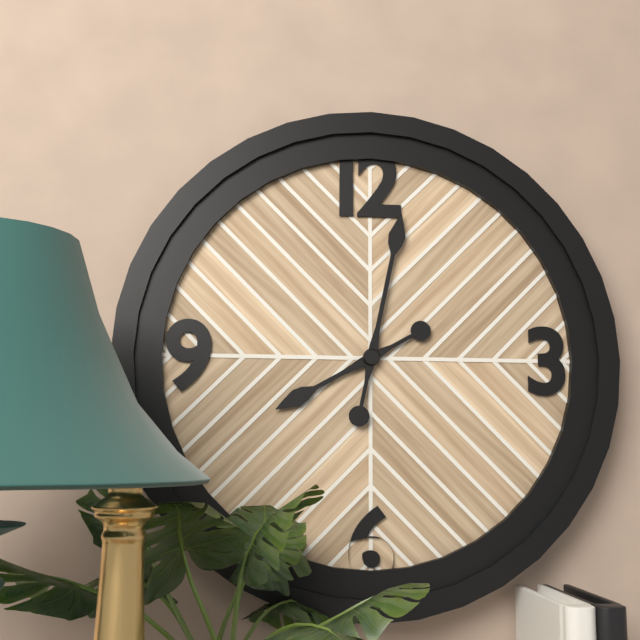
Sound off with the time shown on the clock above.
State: 8:02
